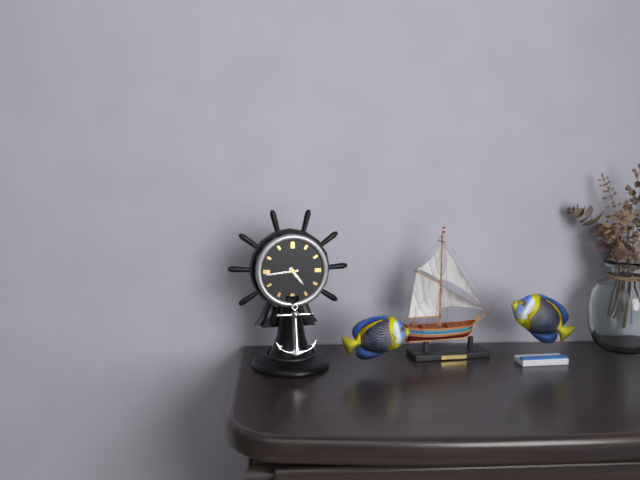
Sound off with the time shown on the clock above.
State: 4:44
